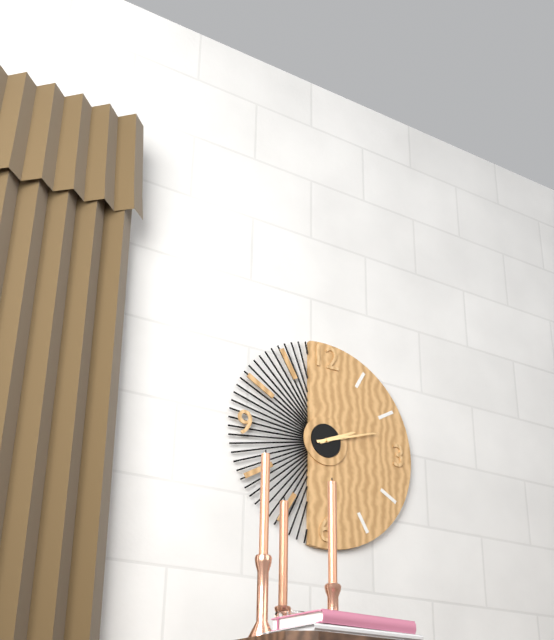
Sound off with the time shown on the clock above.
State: 2:12
